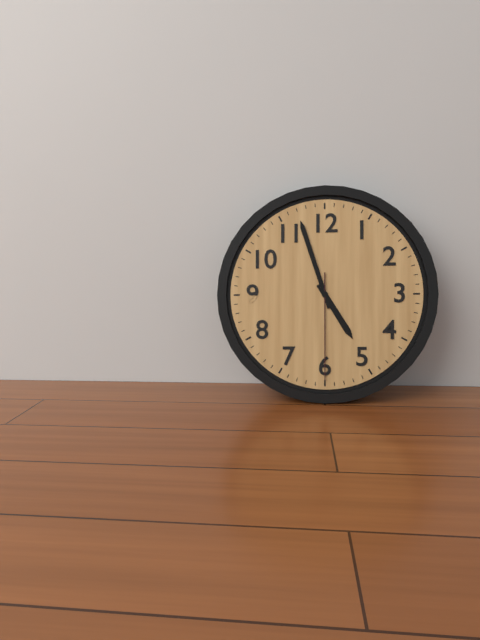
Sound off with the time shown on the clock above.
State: 4:57:30
